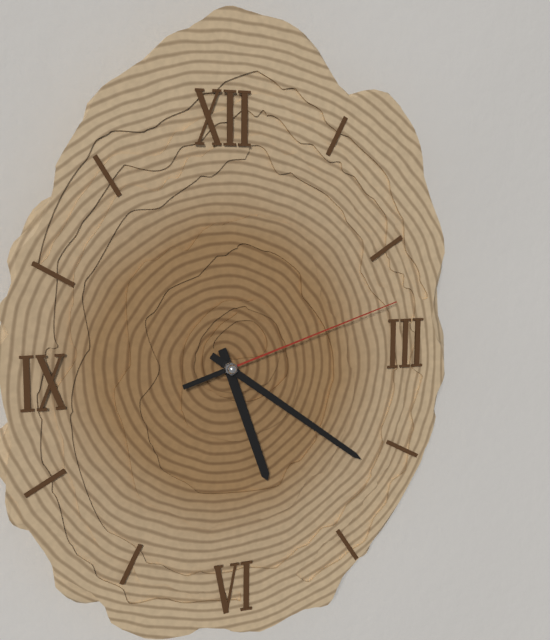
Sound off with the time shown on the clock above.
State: 5:21:12
